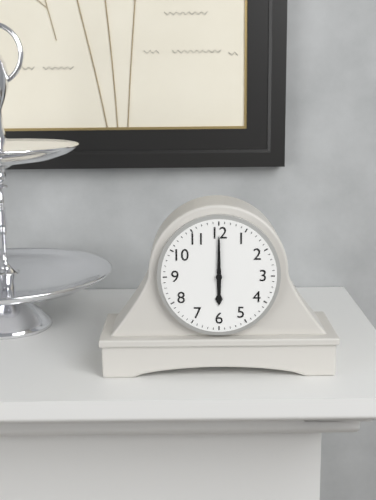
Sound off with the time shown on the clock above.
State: 6:00
